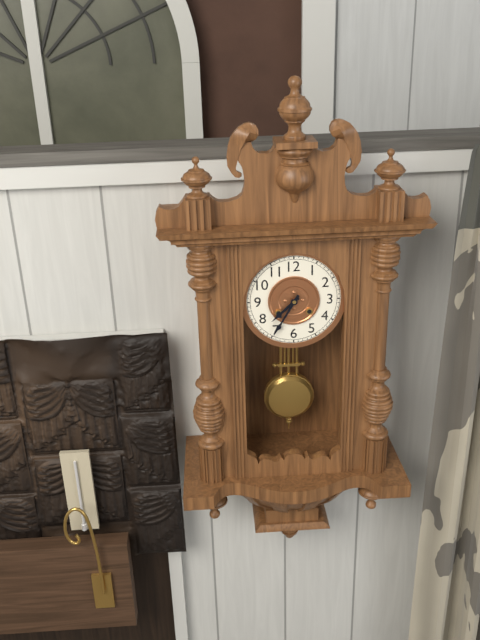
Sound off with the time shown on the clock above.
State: 7:35
